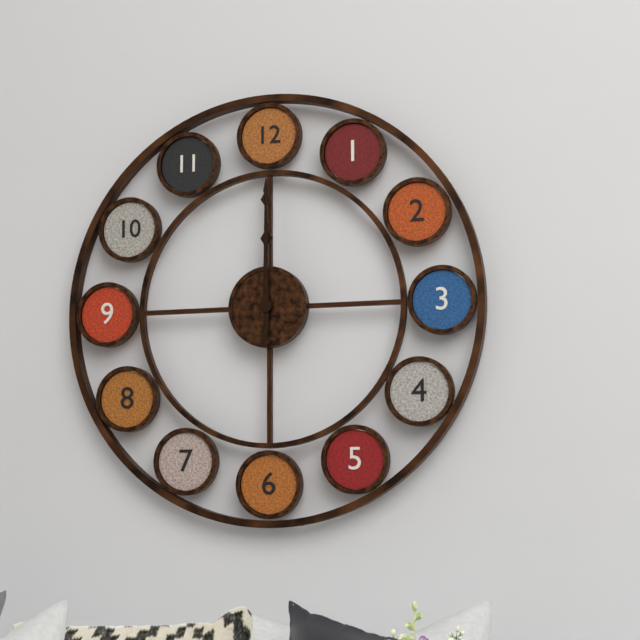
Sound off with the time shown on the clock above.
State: 12:00
